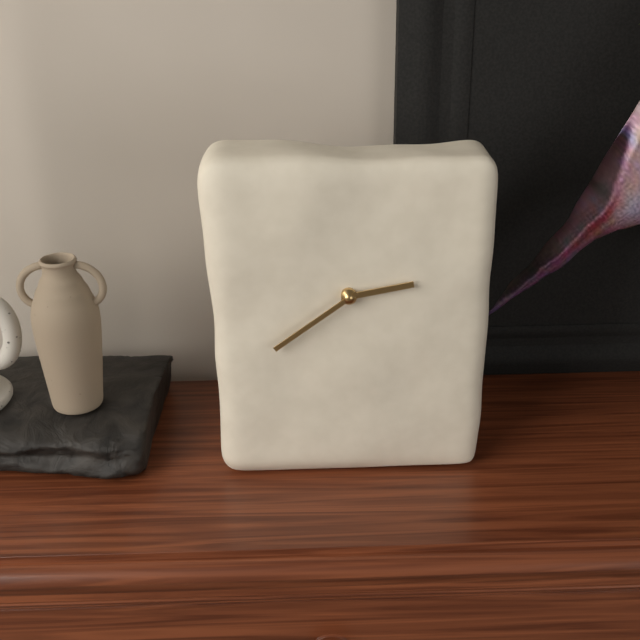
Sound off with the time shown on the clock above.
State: 2:39
